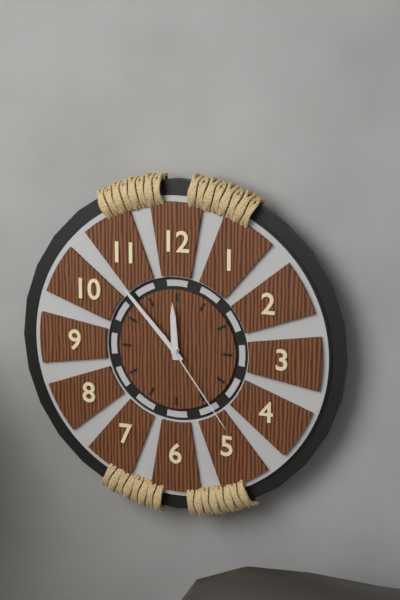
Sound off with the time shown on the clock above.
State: 11:53:24
